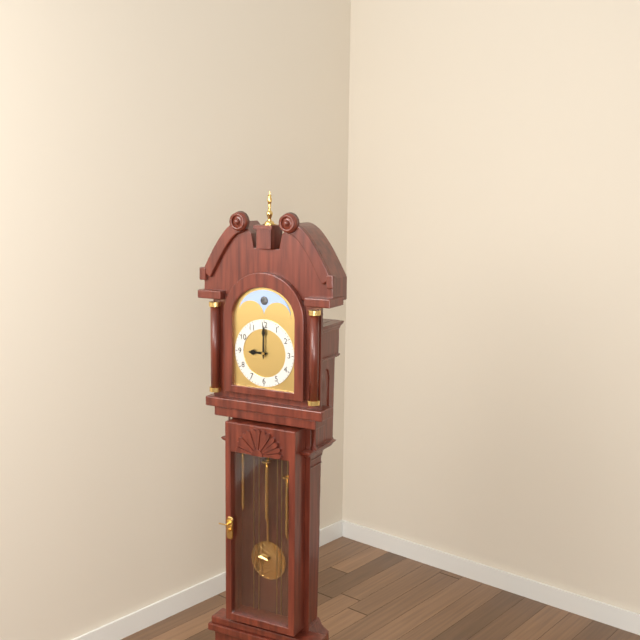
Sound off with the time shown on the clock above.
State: 9:00
